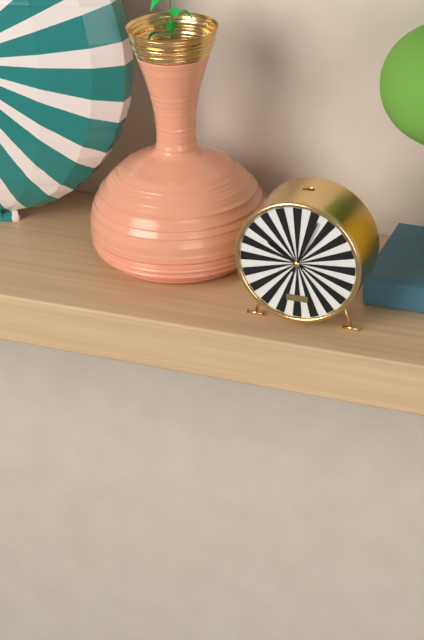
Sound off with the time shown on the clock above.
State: 10:04
